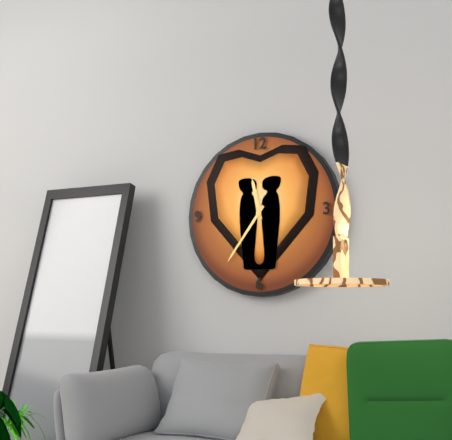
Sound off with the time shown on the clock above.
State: 11:36
